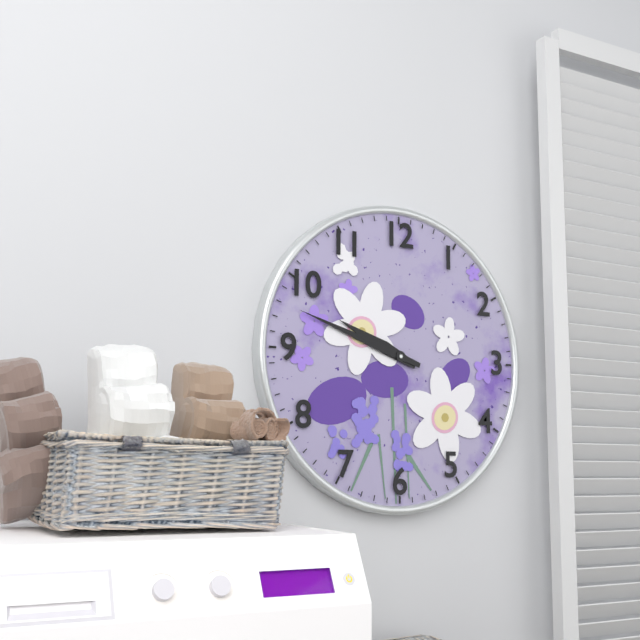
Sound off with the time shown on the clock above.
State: 9:48
